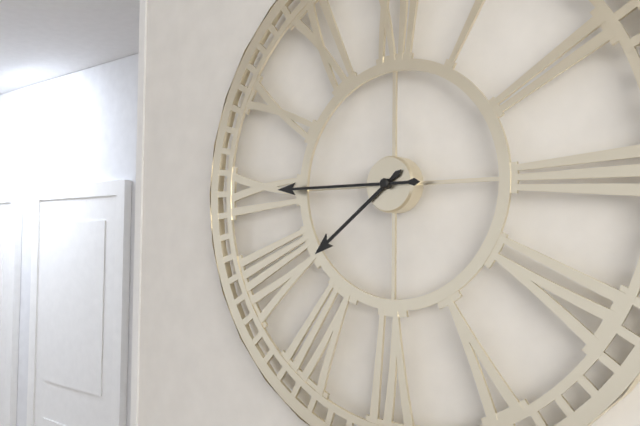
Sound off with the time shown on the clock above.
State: 7:45
